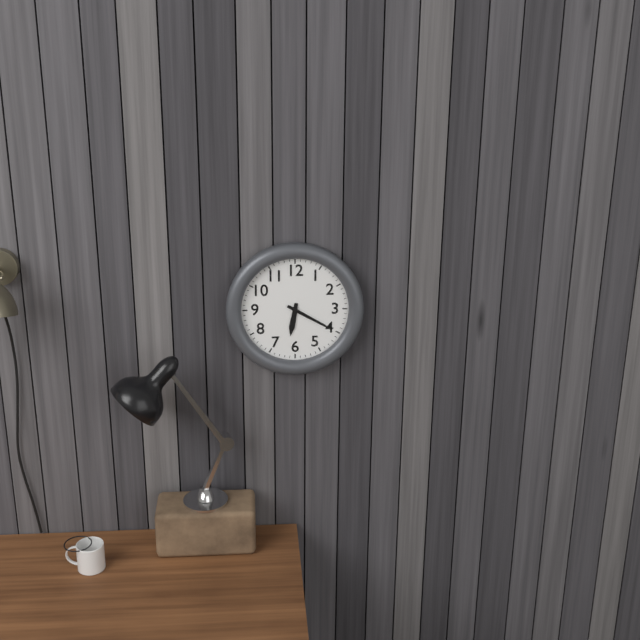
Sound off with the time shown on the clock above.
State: 6:20
